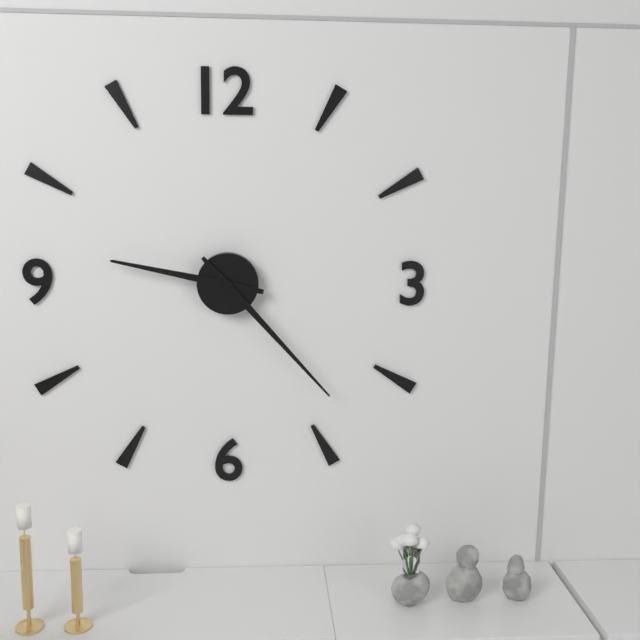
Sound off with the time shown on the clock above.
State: 9:23
